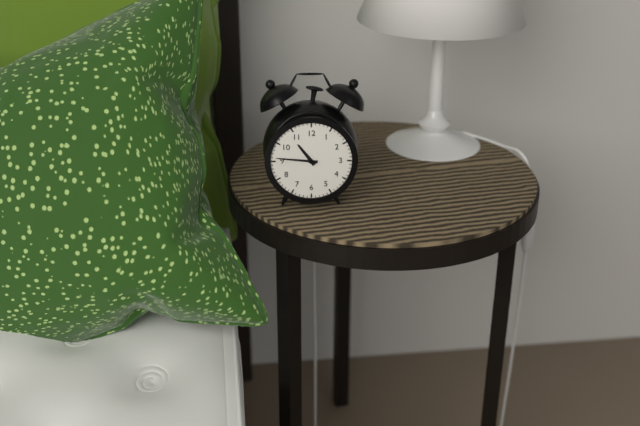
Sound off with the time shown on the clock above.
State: 10:46
